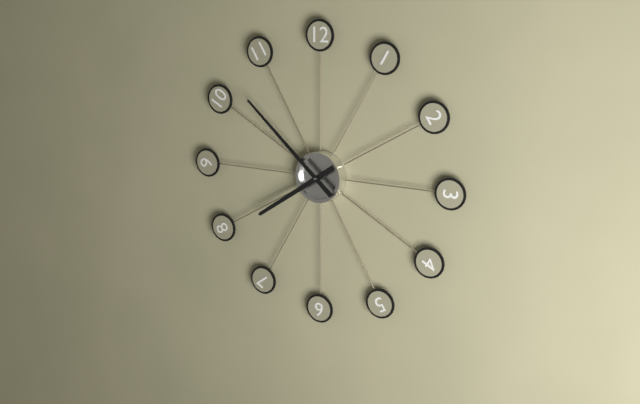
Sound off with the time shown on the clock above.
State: 7:52
